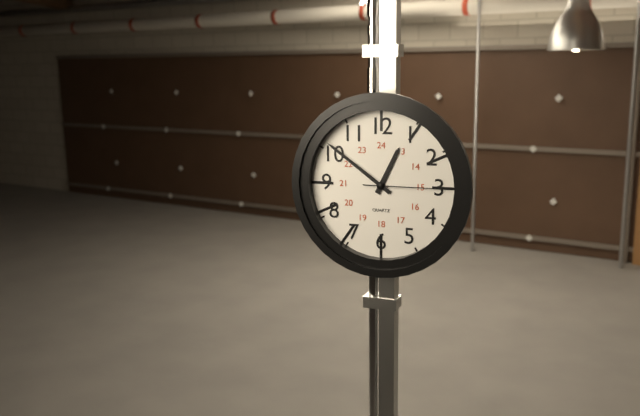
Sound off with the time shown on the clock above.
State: 12:51:15
